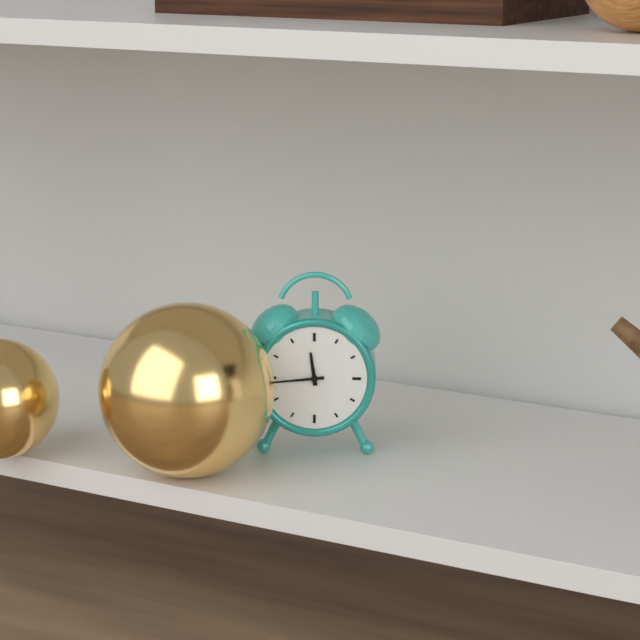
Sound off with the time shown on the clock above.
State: 11:44
